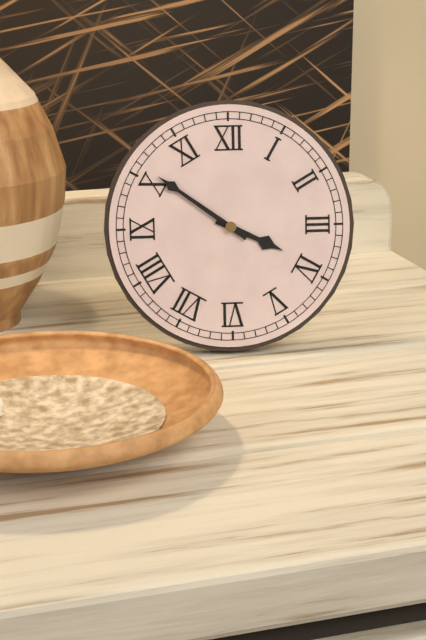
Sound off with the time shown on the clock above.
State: 3:51
